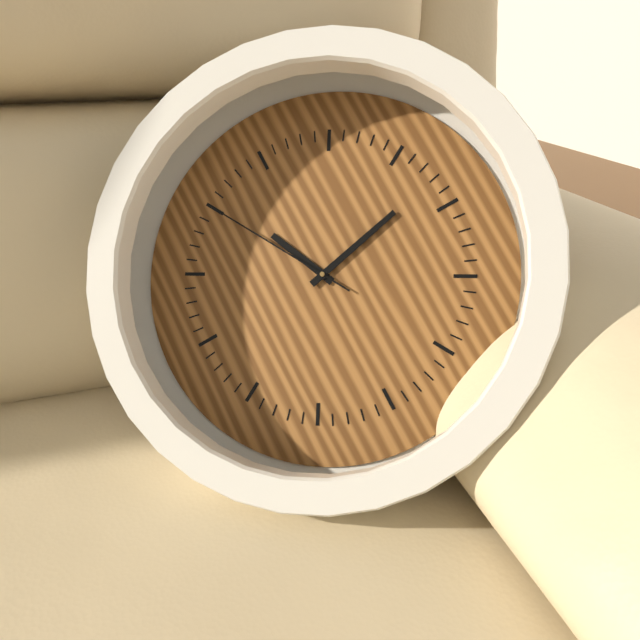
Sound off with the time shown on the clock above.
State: 11:13:55
